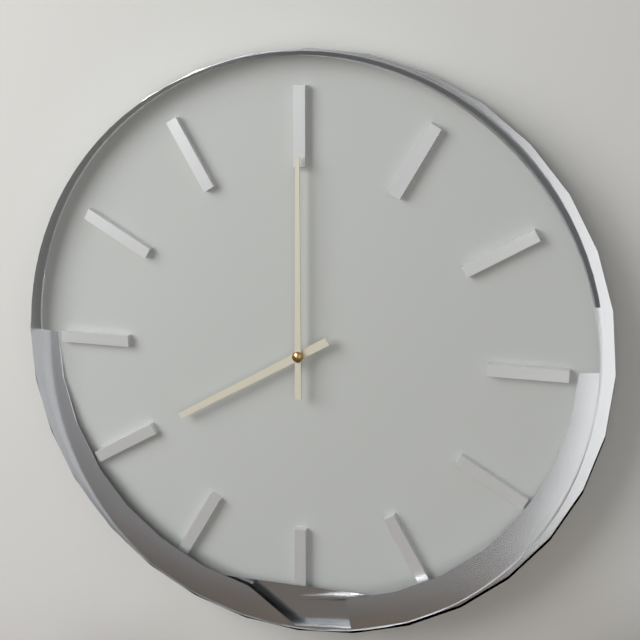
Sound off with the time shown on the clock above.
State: 8:00
